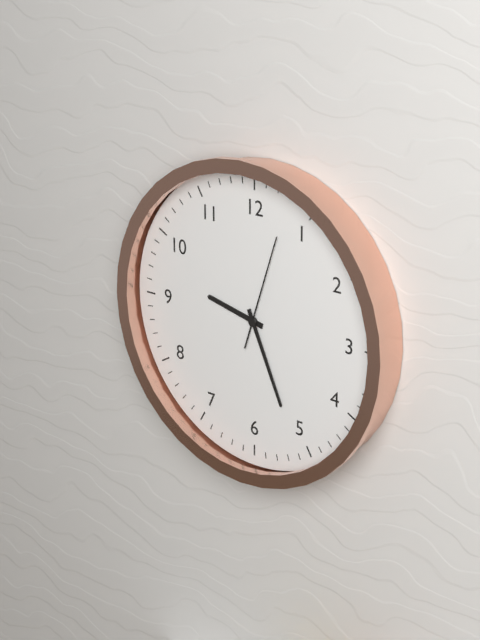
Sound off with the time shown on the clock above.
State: 9:26:03
